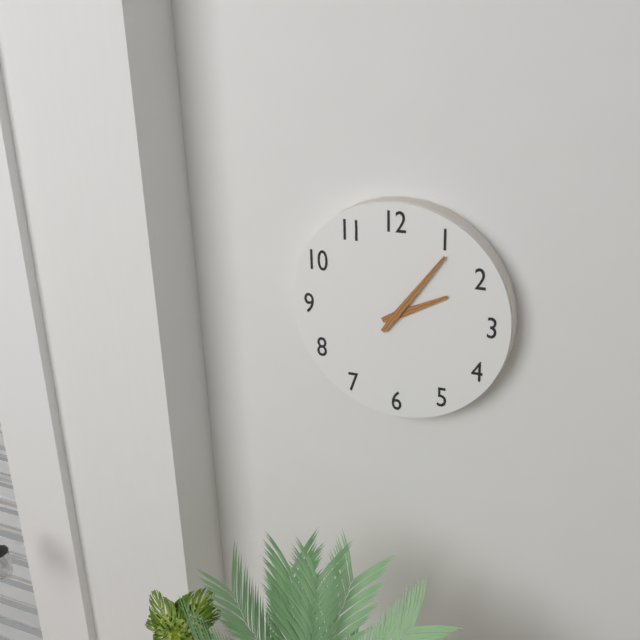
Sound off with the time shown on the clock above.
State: 2:06
